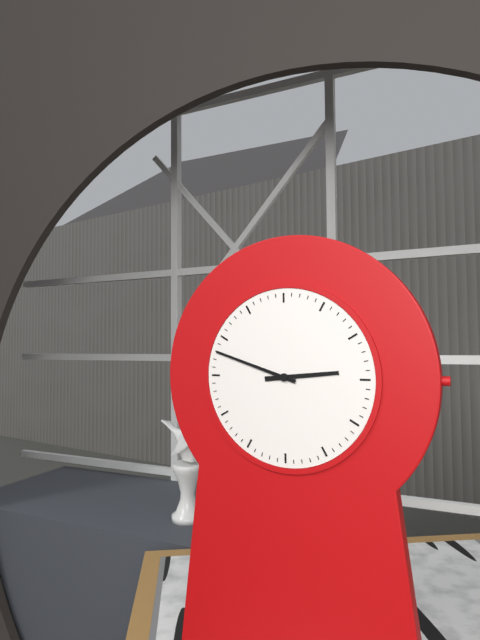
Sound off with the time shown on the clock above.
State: 2:48
